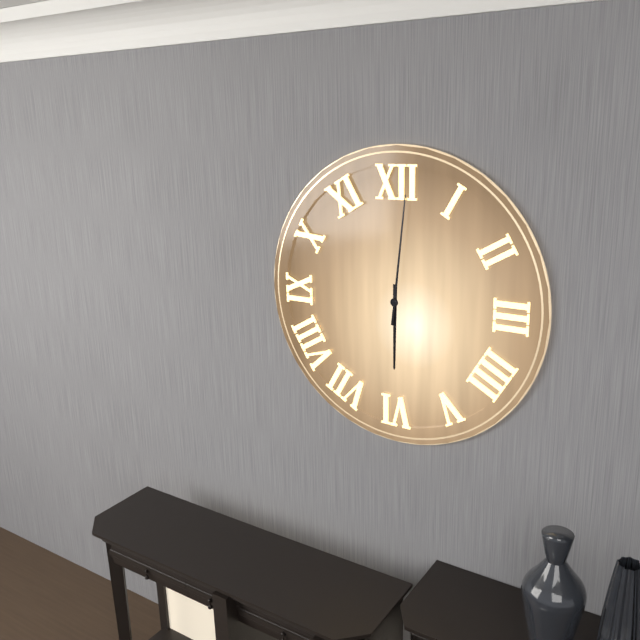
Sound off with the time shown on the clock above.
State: 6:01
